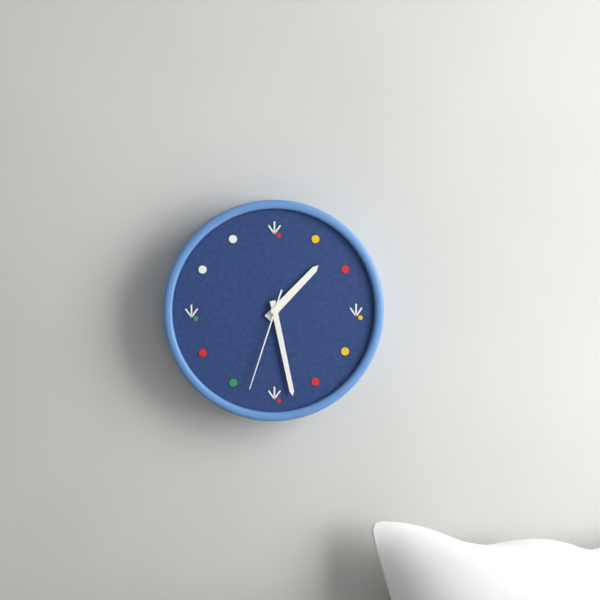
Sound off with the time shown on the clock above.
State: 1:28:33
